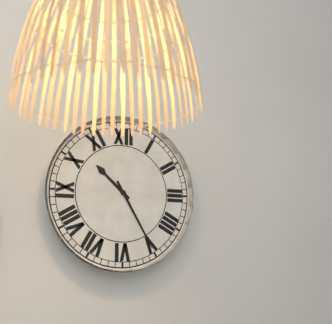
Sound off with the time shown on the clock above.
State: 10:25
